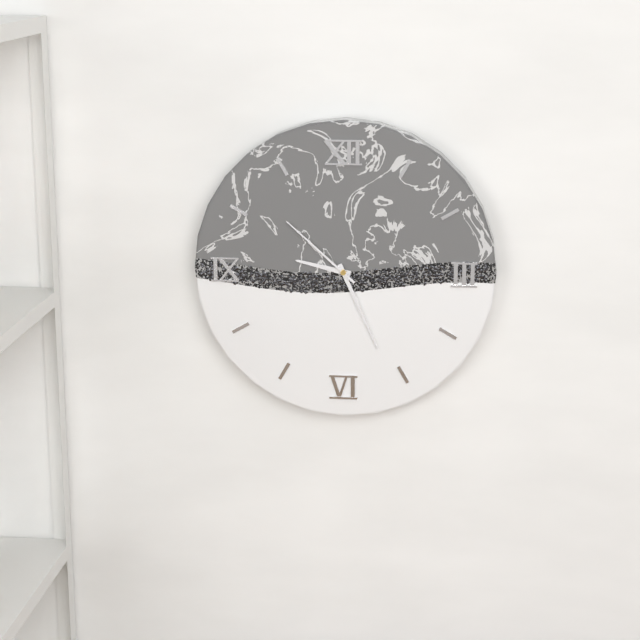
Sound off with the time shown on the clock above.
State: 9:26:52
